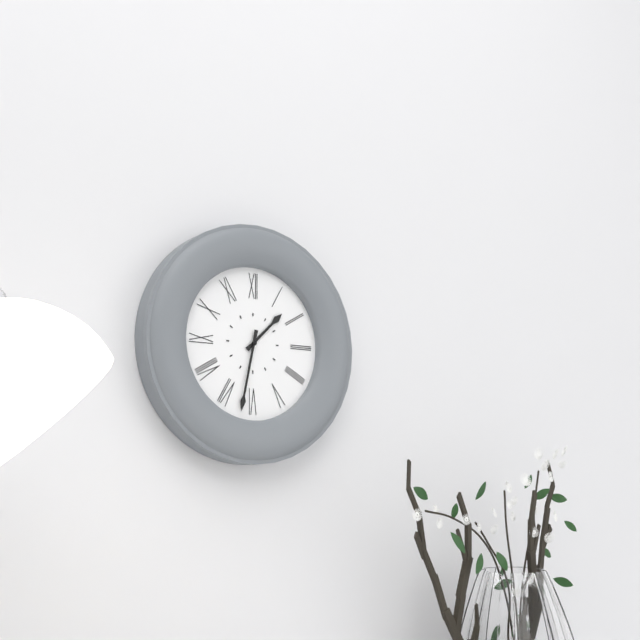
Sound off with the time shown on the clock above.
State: 1:32
